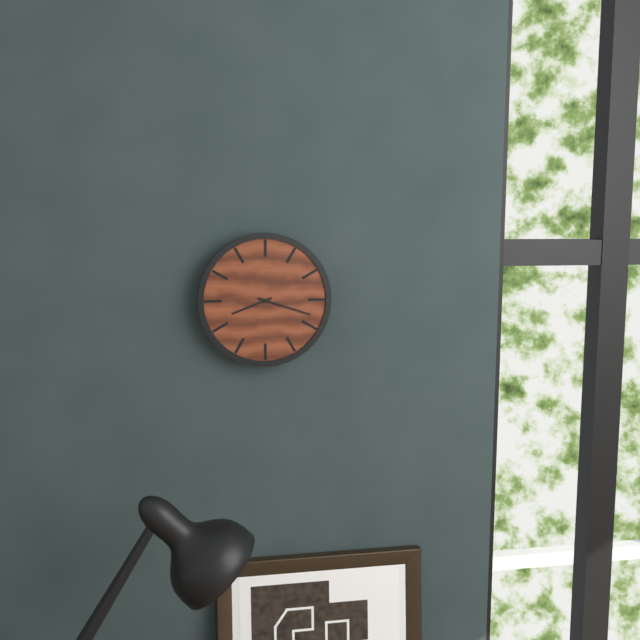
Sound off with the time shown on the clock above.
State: 8:18
